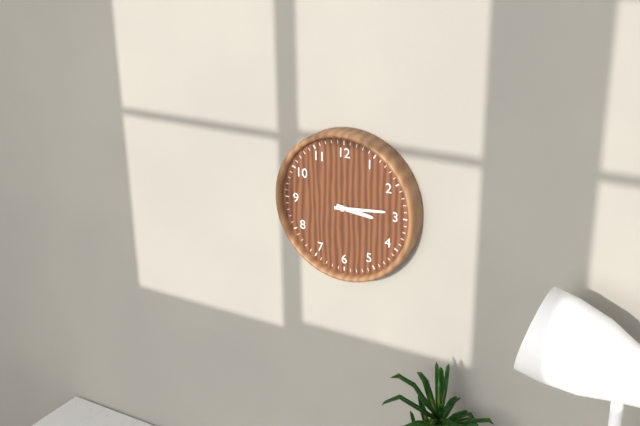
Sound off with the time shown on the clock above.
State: 3:14
